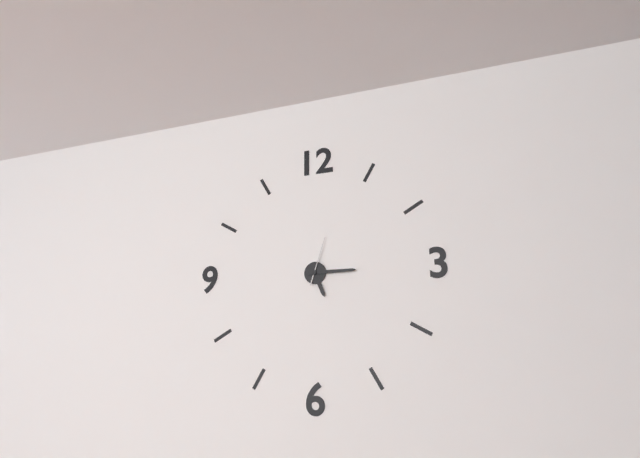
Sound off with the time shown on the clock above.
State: 5:15
